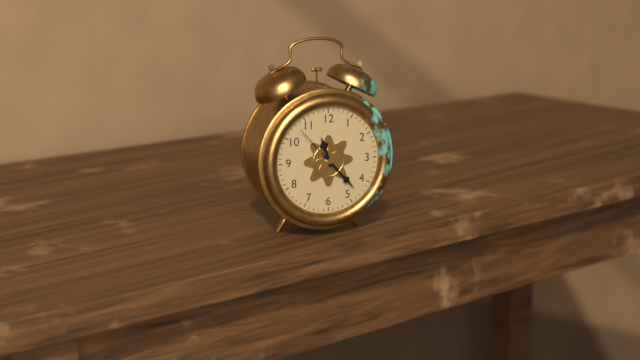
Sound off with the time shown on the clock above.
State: 11:23
